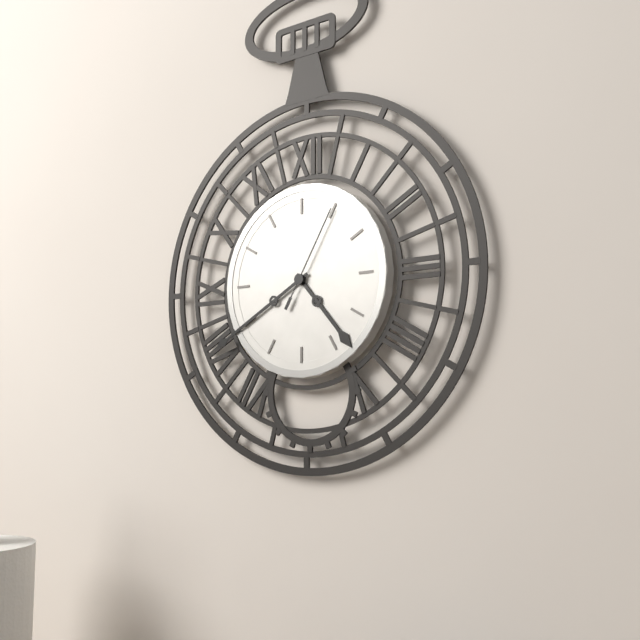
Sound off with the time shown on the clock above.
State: 4:40:05
